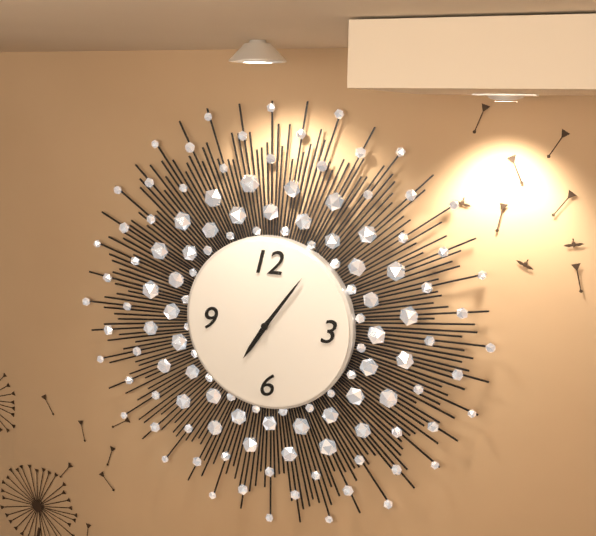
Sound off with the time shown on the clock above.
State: 7:06:06
